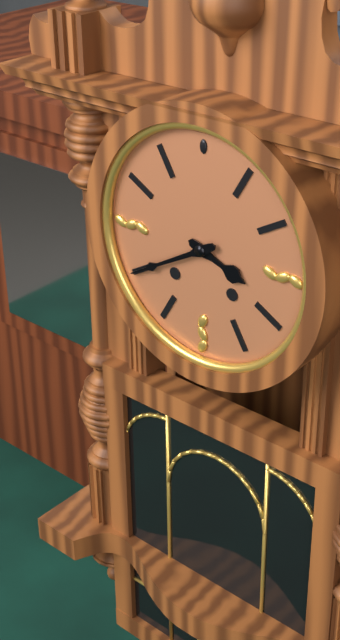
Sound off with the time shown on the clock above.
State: 3:40
